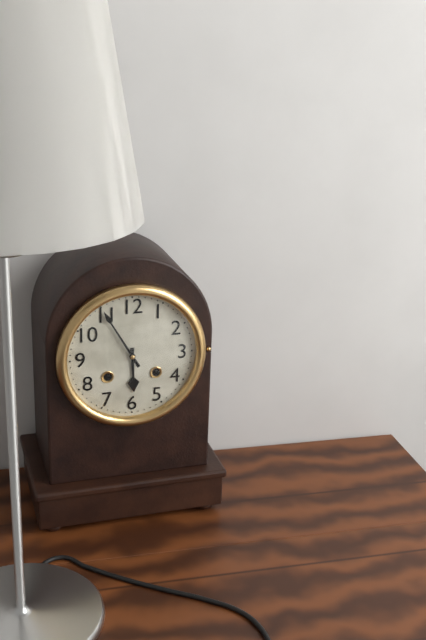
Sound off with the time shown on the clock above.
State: 5:55
